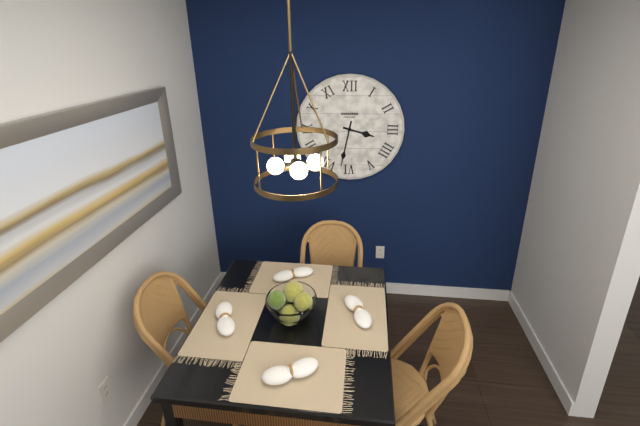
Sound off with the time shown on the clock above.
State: 3:32
